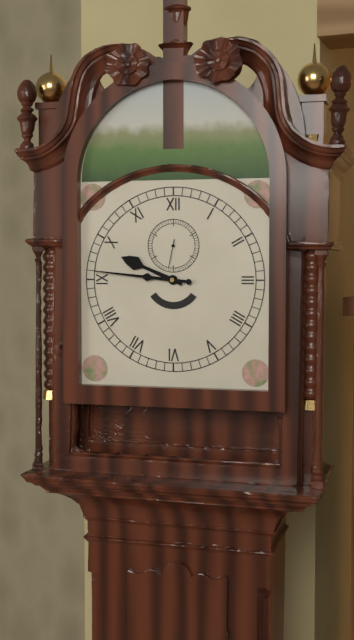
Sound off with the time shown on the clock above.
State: 9:46
